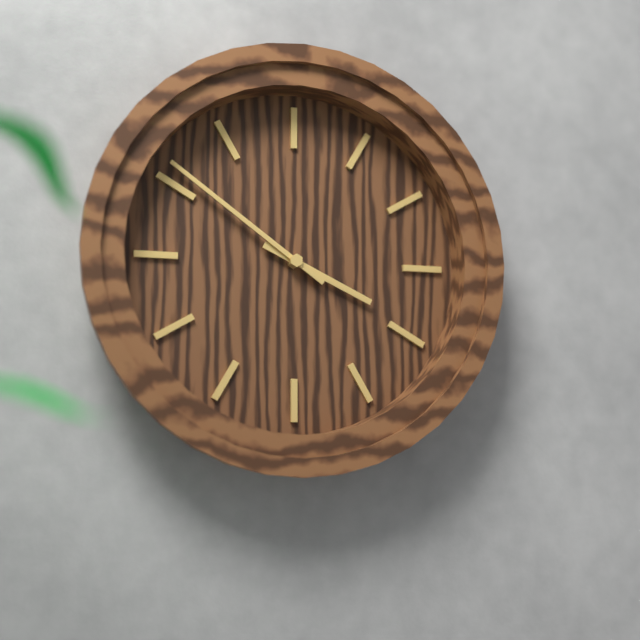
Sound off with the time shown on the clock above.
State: 3:51
